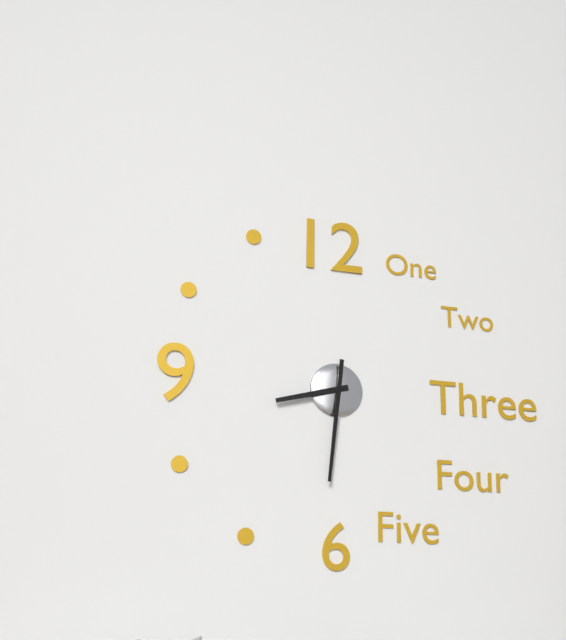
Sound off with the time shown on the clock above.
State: 8:31
